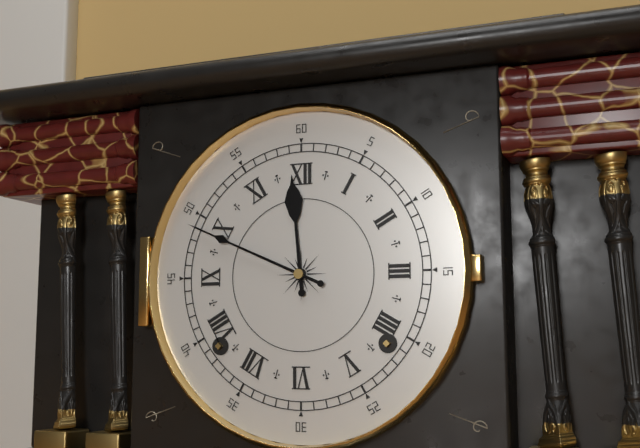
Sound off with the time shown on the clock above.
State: 11:49
